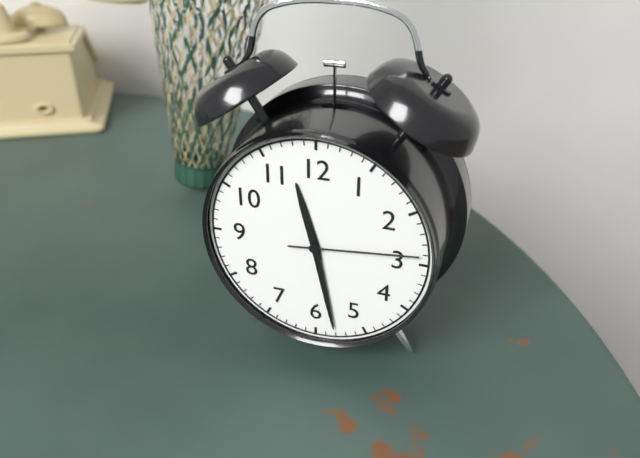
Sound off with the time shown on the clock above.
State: 11:28:14
